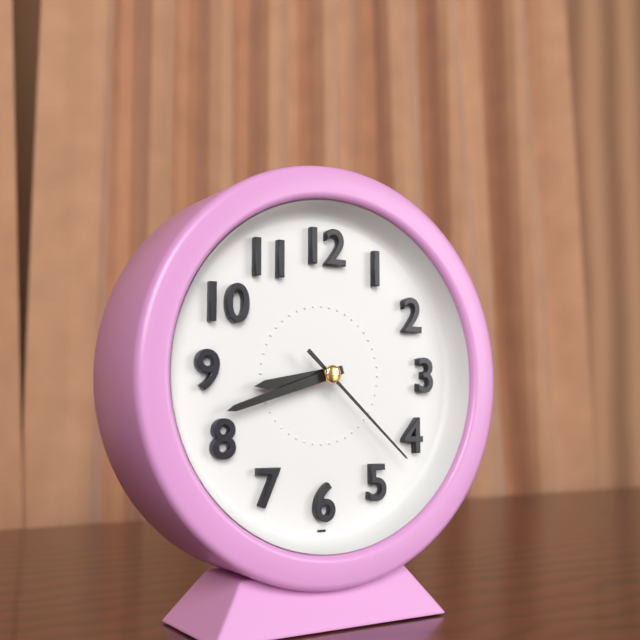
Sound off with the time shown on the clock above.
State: 8:42:22
